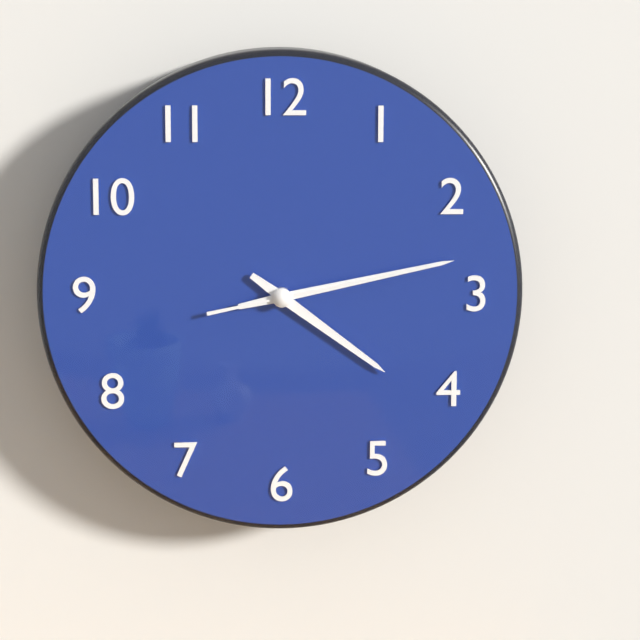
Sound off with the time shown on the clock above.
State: 4:13:13
